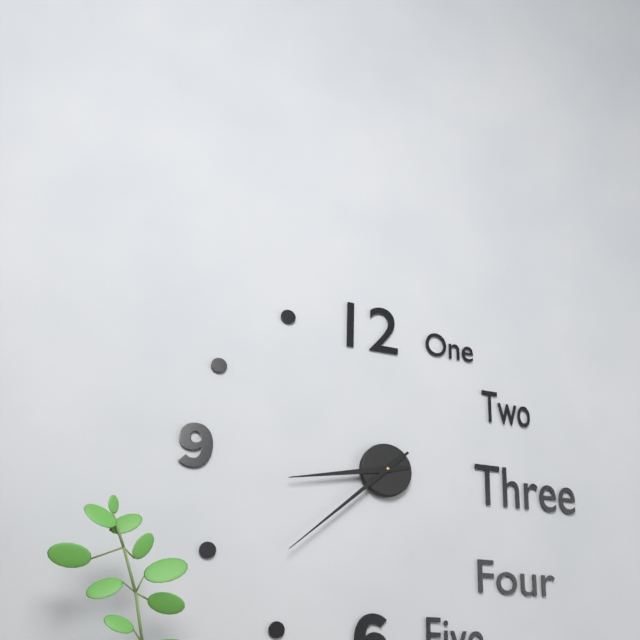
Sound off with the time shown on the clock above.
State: 8:38
